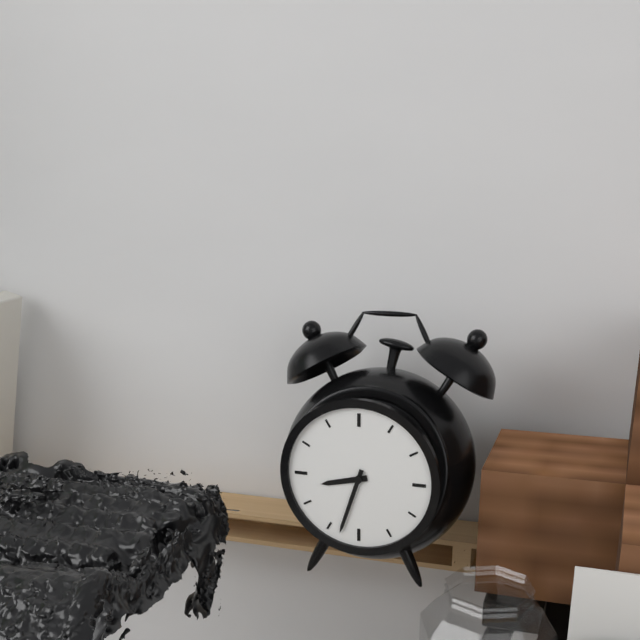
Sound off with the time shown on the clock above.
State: 8:33
